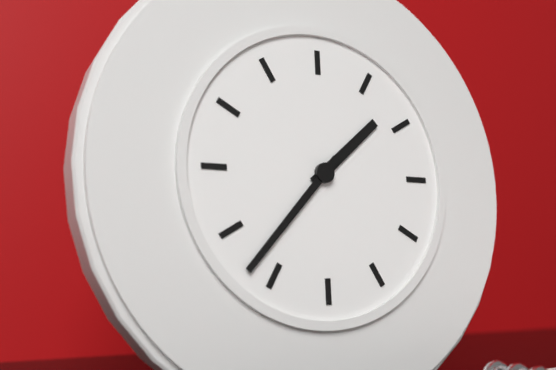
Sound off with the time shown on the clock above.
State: 1:37
